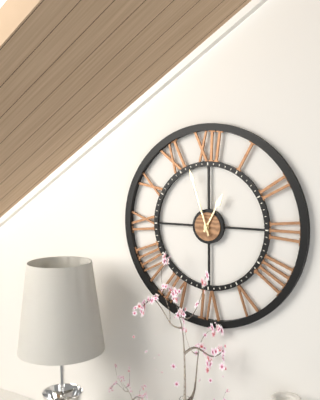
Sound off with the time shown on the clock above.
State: 12:57
